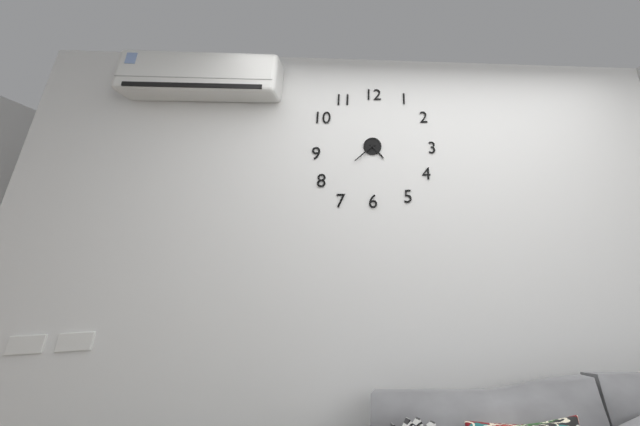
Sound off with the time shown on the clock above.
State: 4:38
